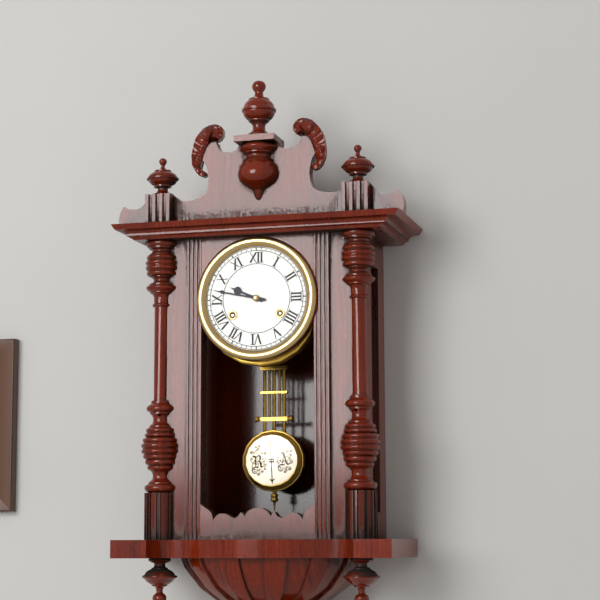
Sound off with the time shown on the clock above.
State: 9:47
